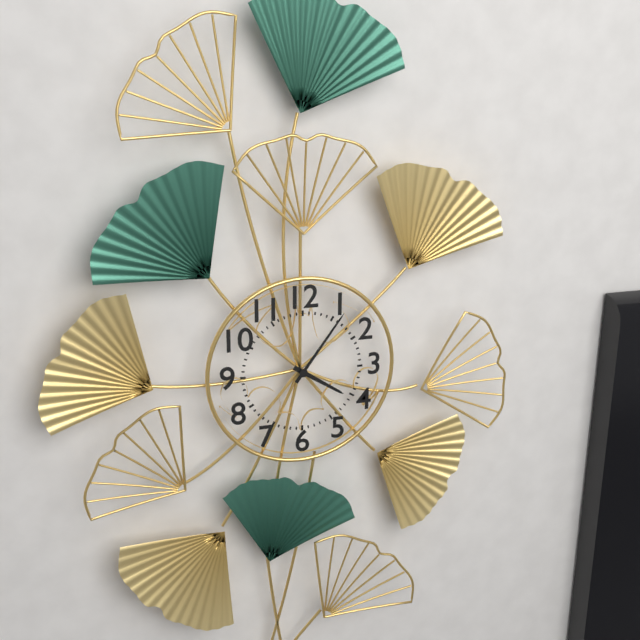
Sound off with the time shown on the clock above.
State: 4:06
